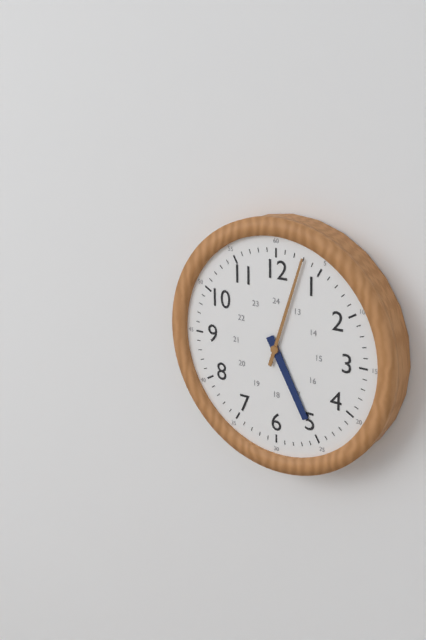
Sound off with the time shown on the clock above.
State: 5:03
